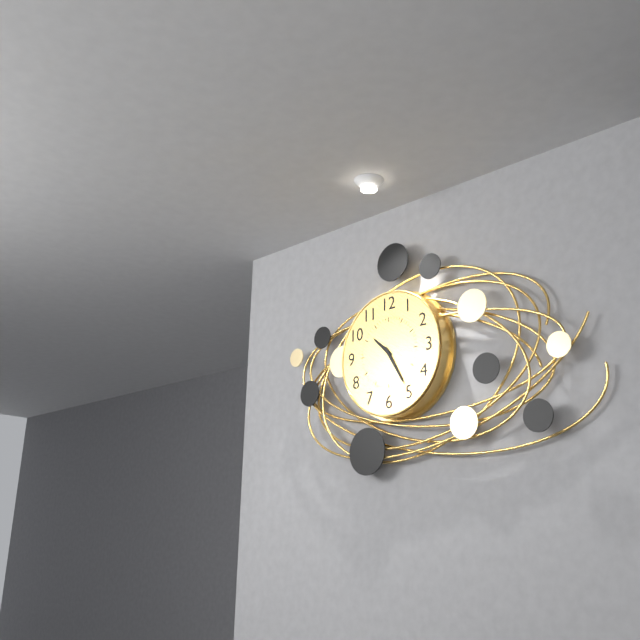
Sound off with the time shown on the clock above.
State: 10:25
